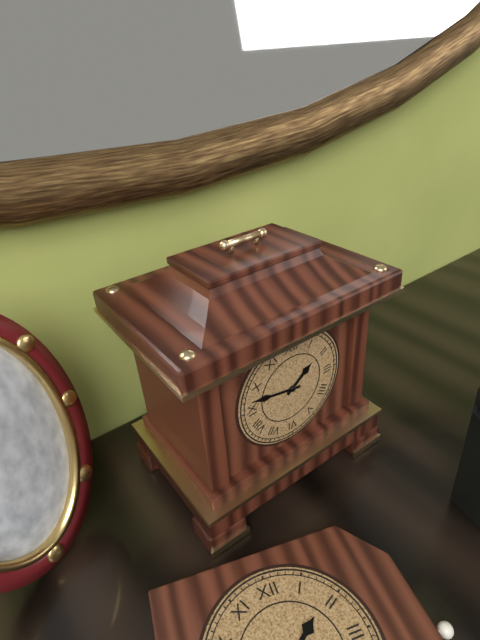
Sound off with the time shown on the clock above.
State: 1:47
